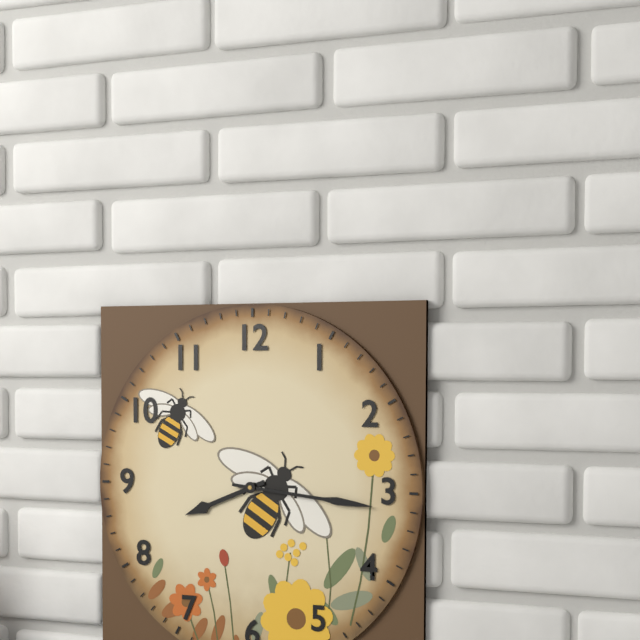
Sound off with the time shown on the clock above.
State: 8:16
